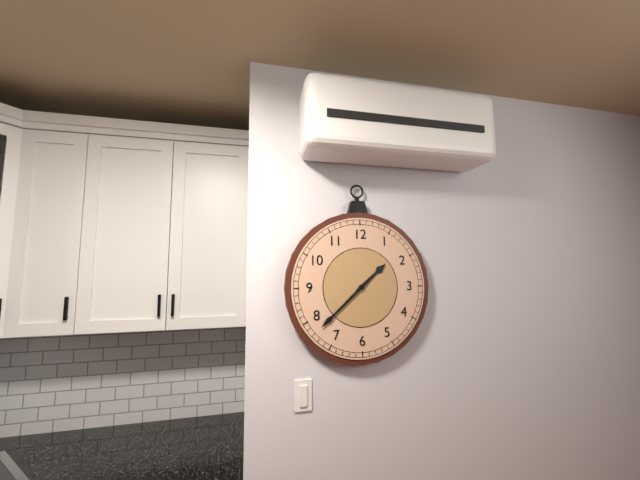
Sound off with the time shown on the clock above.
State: 1:38
